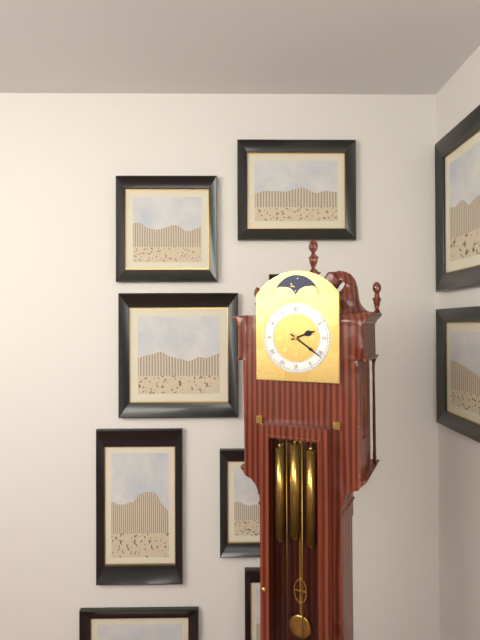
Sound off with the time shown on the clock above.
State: 2:21
